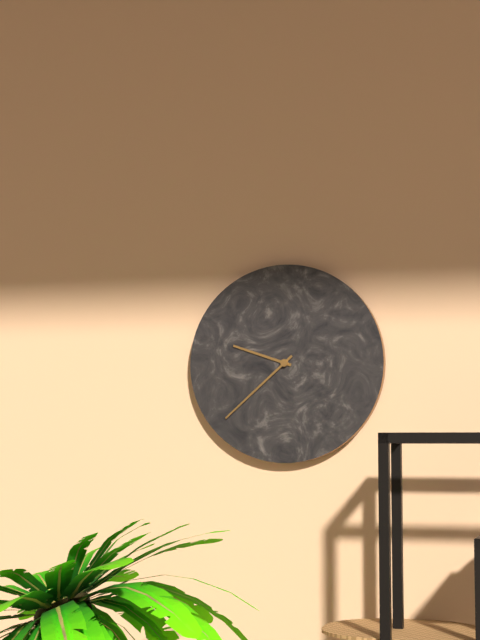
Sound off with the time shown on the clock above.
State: 9:38
